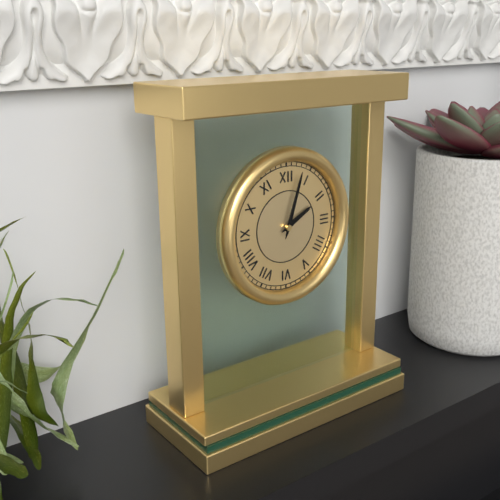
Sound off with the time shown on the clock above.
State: 2:03
